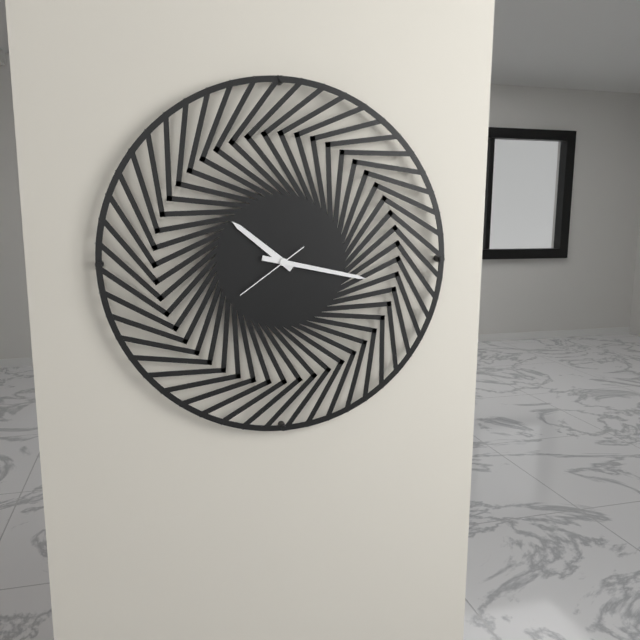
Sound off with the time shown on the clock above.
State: 10:17:39
